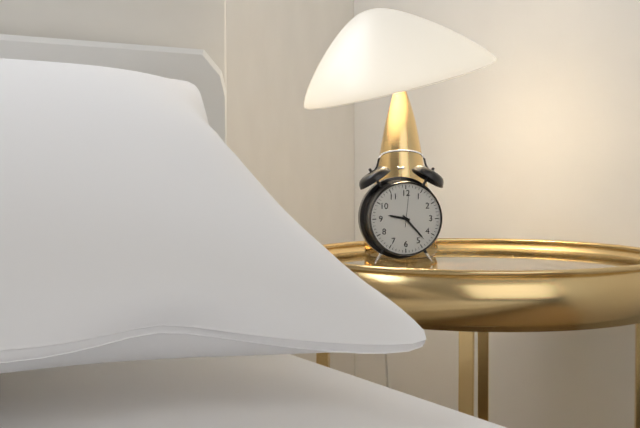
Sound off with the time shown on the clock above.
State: 9:23
